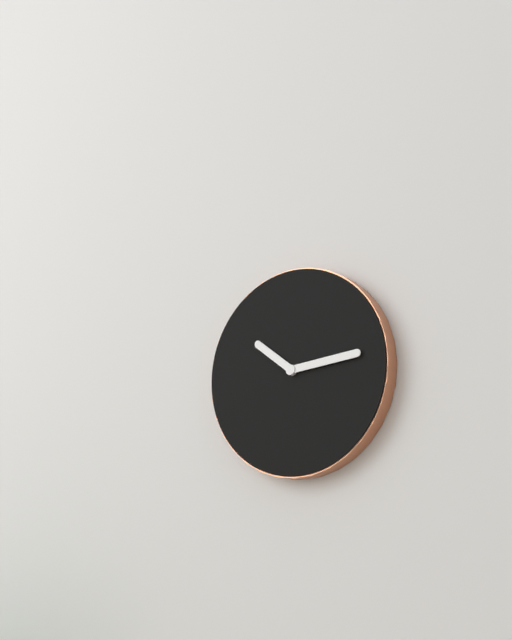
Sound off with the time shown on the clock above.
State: 10:14
